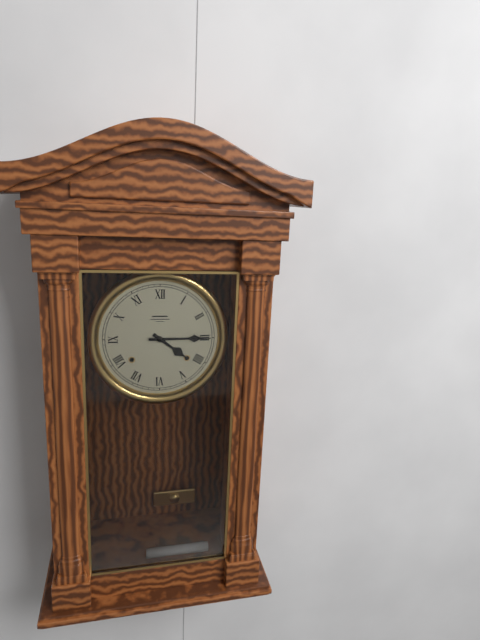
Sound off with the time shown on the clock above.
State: 4:15
